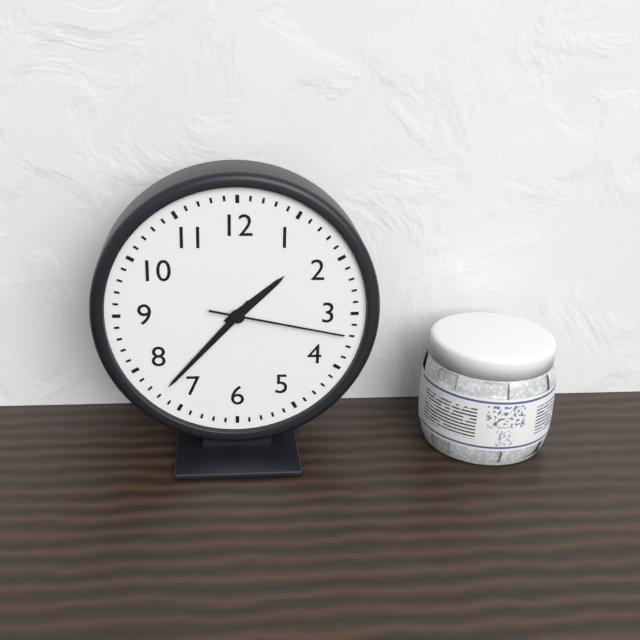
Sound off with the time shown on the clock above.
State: 1:37:17
